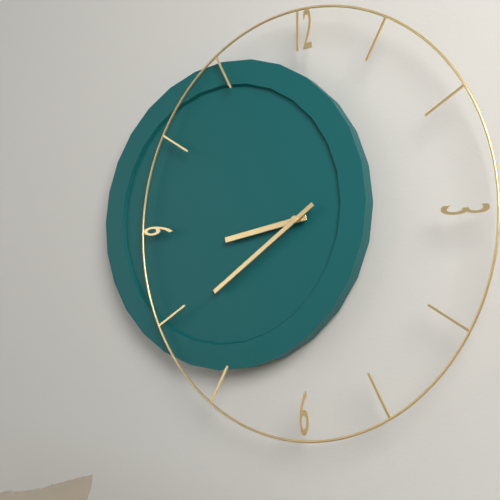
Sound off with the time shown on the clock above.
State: 8:39
